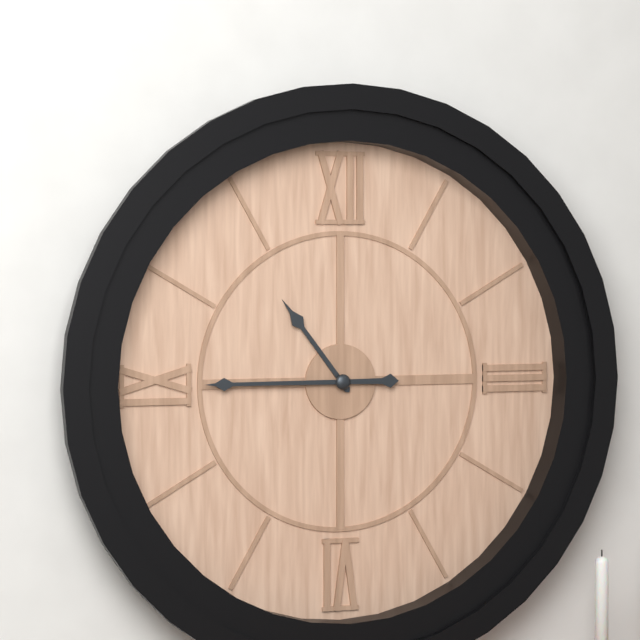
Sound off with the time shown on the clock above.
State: 10:45
